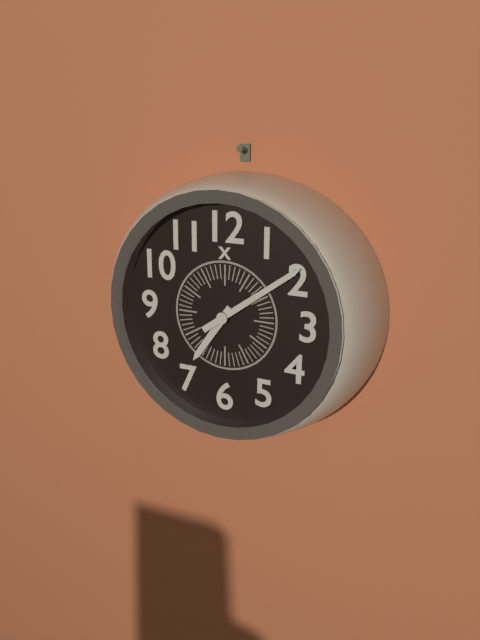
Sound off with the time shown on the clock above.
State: 7:09
